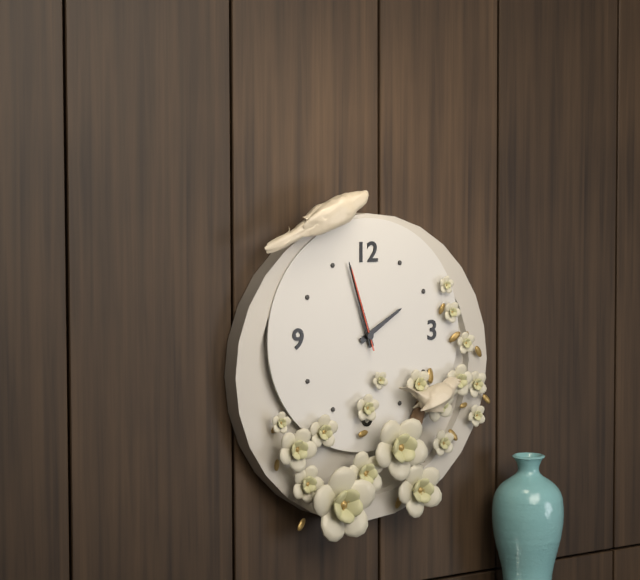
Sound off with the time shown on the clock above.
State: 1:57:57
